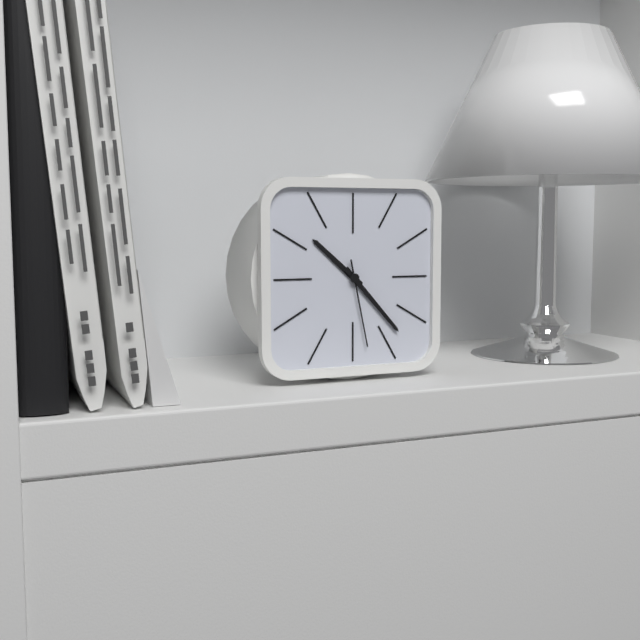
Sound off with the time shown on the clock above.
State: 10:23:28
